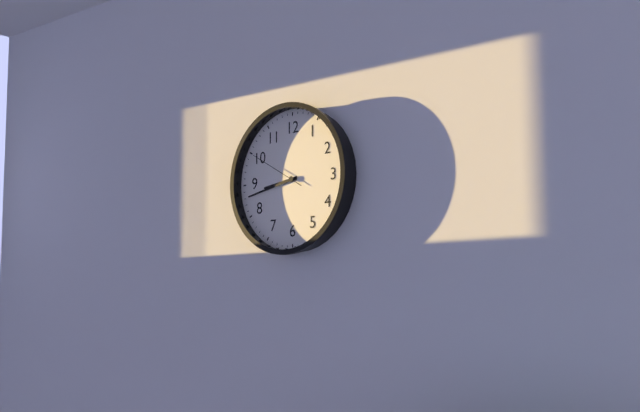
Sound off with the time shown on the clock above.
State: 8:43:50
